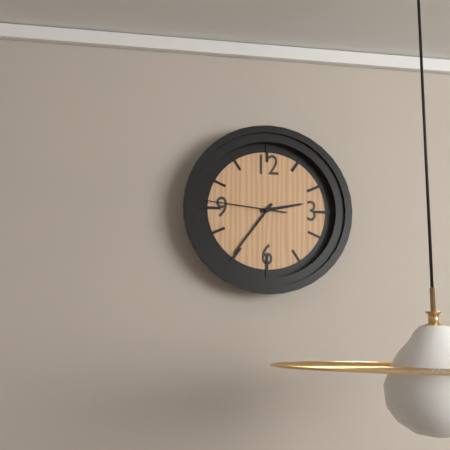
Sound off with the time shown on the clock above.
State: 2:36:46
